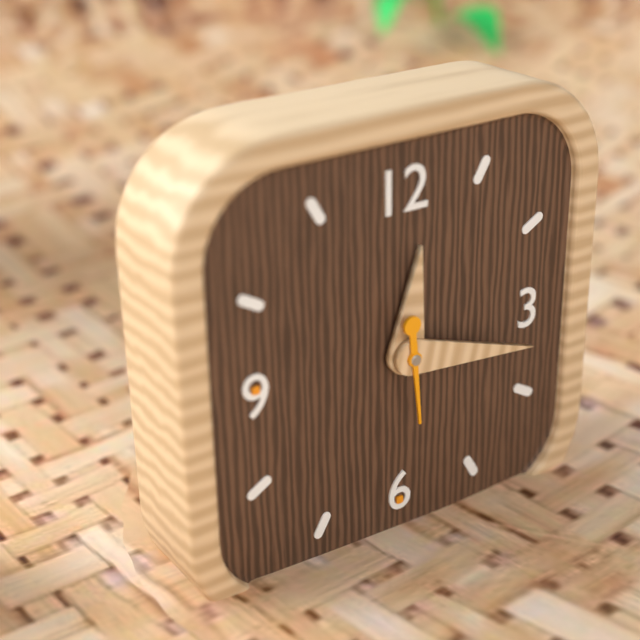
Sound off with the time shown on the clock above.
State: 12:17:29
